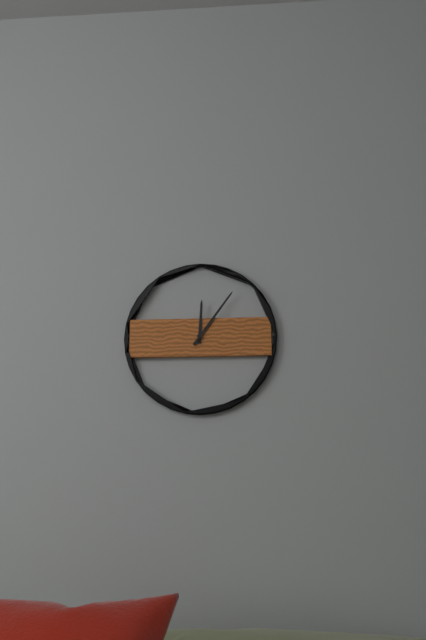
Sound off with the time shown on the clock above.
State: 12:06
